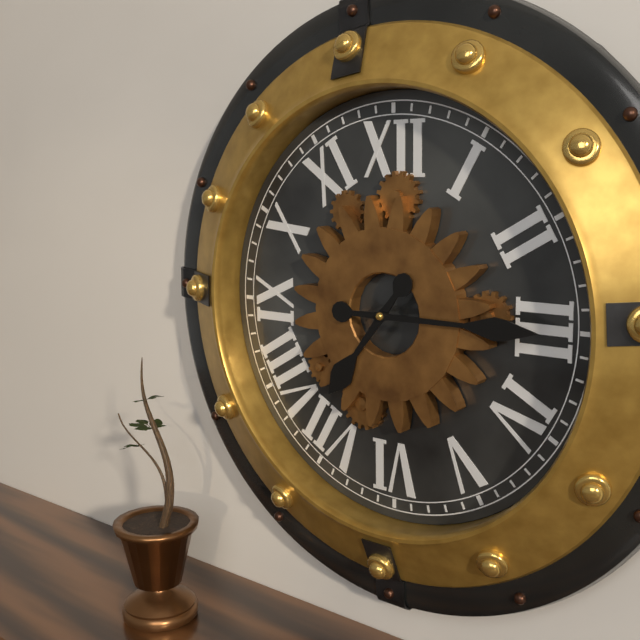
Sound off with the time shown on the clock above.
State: 7:15
